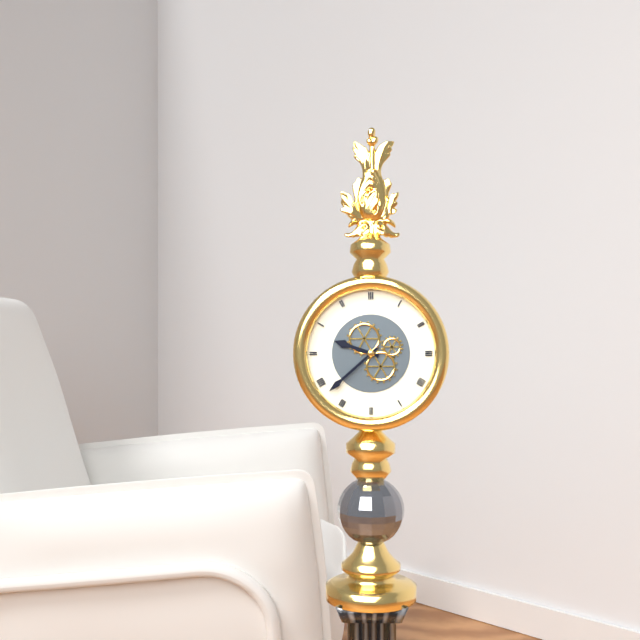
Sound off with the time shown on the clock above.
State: 9:38
